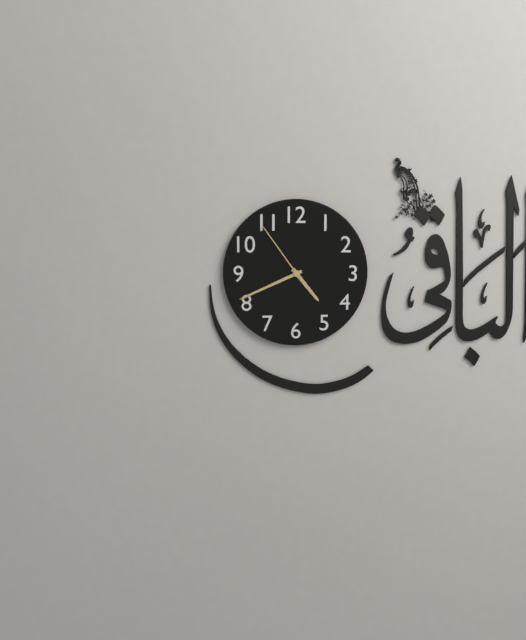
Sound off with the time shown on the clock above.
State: 4:41:54
